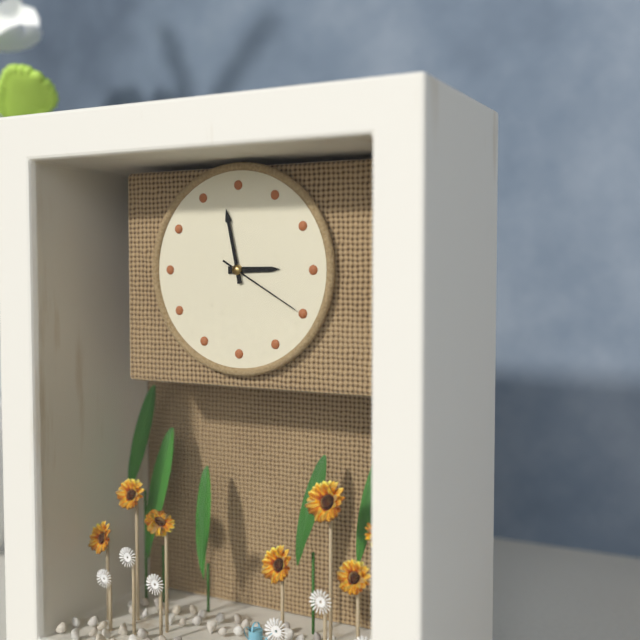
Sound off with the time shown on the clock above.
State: 2:58:20
